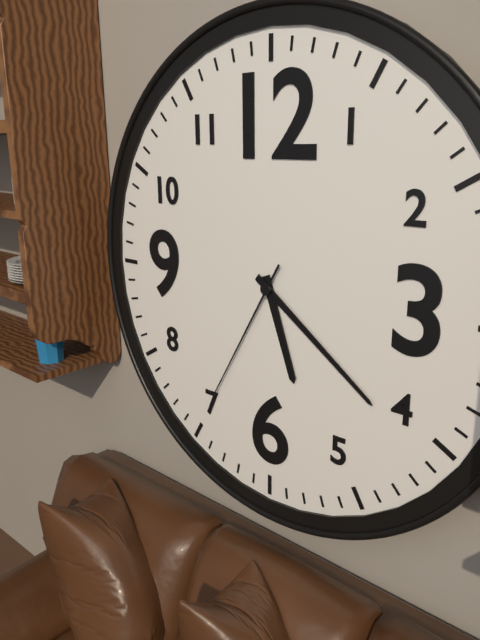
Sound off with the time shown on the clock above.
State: 5:21:35
